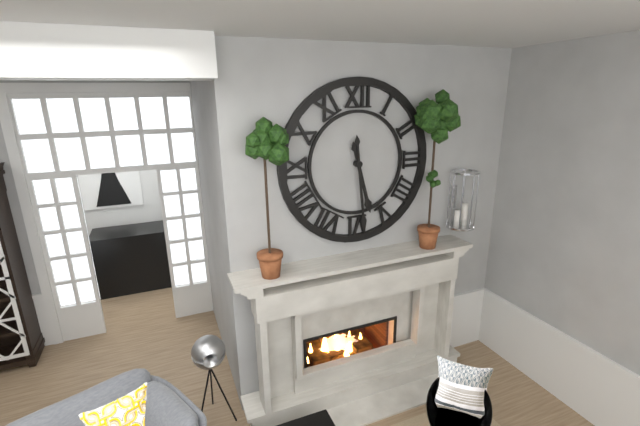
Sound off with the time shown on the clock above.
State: 5:29
